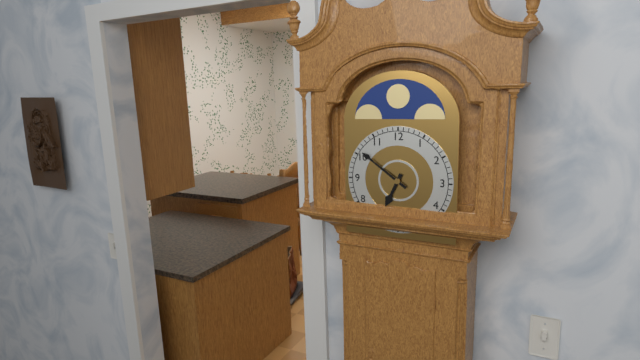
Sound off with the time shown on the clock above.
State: 6:51
